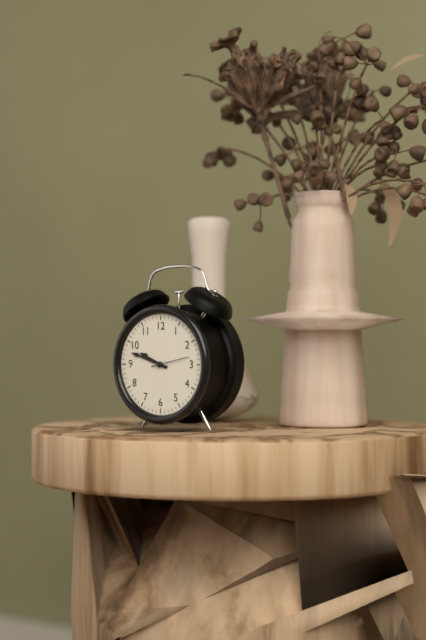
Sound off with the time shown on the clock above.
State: 9:48
